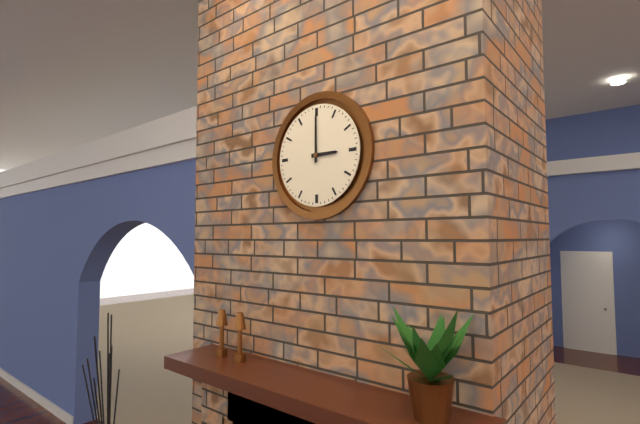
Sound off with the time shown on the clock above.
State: 3:00
